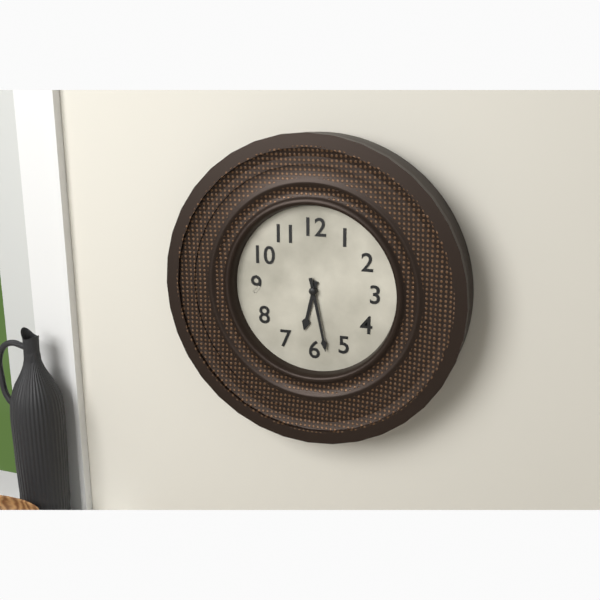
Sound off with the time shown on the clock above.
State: 6:28
